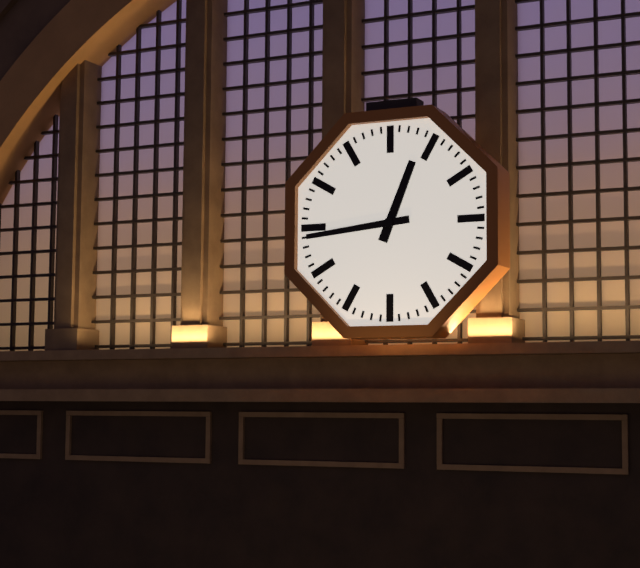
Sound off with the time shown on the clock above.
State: 12:44
